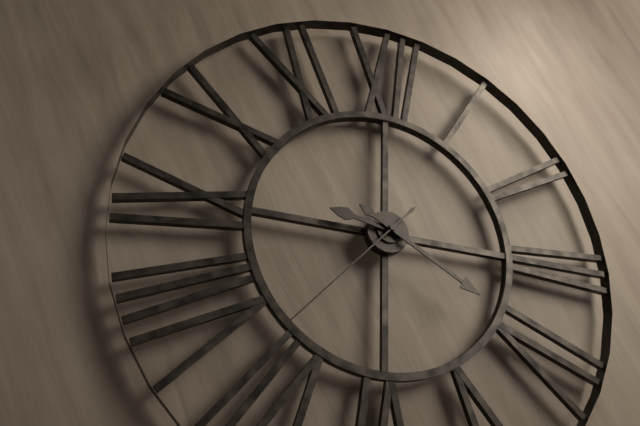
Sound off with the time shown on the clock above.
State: 9:20:37
